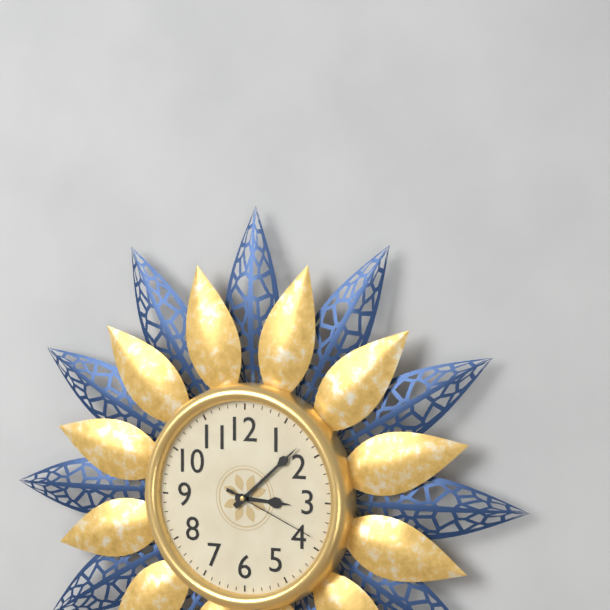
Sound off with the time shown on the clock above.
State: 3:08:19
